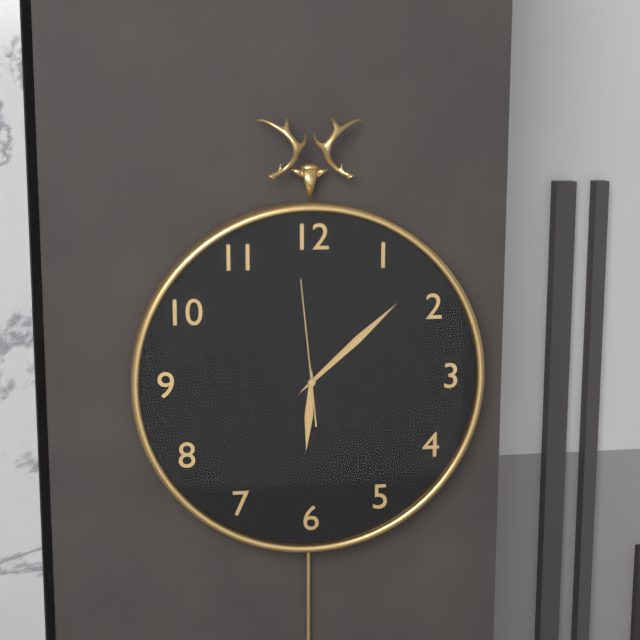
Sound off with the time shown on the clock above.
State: 6:08:59
